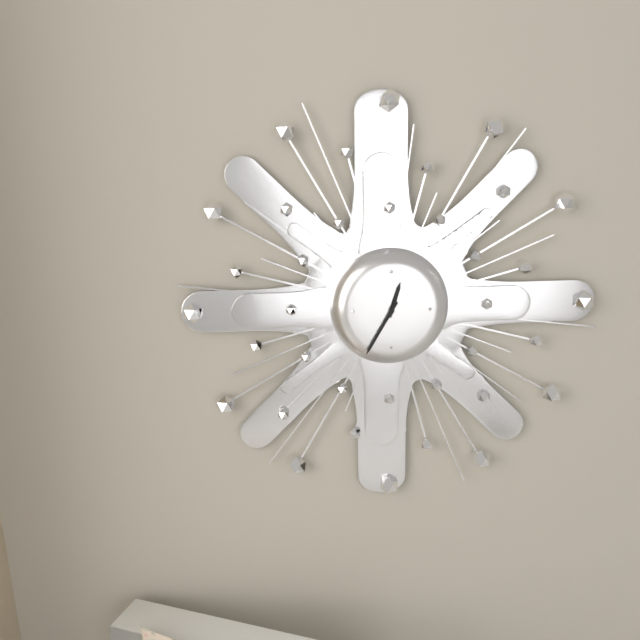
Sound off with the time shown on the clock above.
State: 12:35
